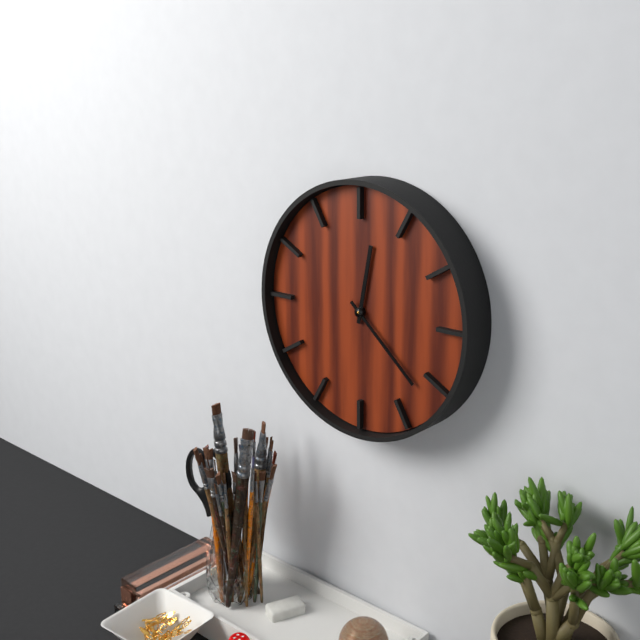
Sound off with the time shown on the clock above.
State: 12:22
